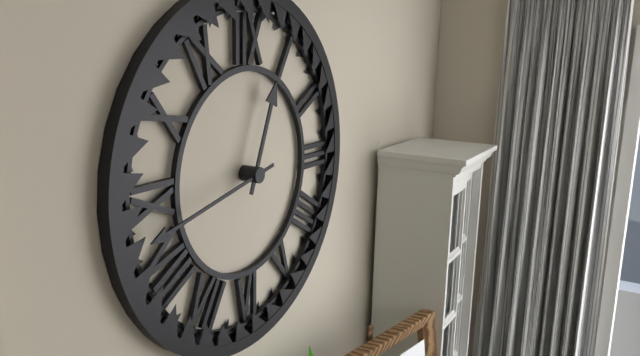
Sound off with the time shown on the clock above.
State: 12:43
